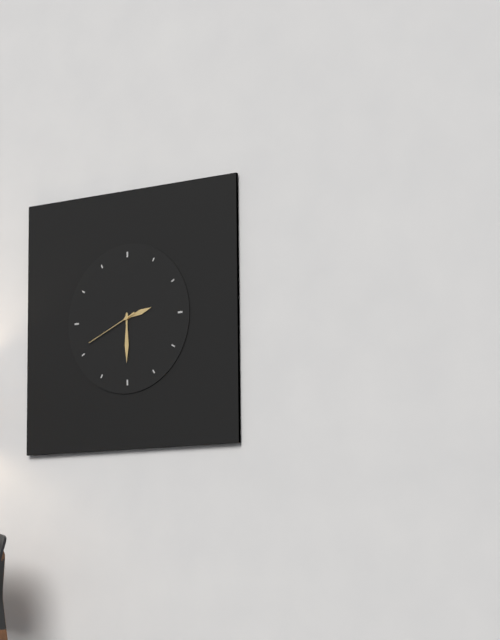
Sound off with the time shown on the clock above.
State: 2:30:41
